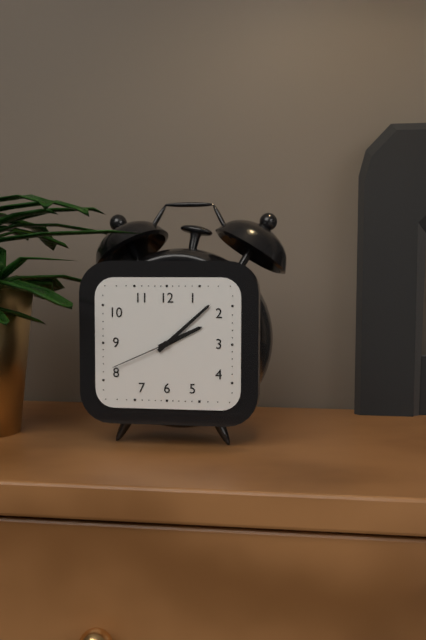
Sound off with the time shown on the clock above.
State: 2:08:41
